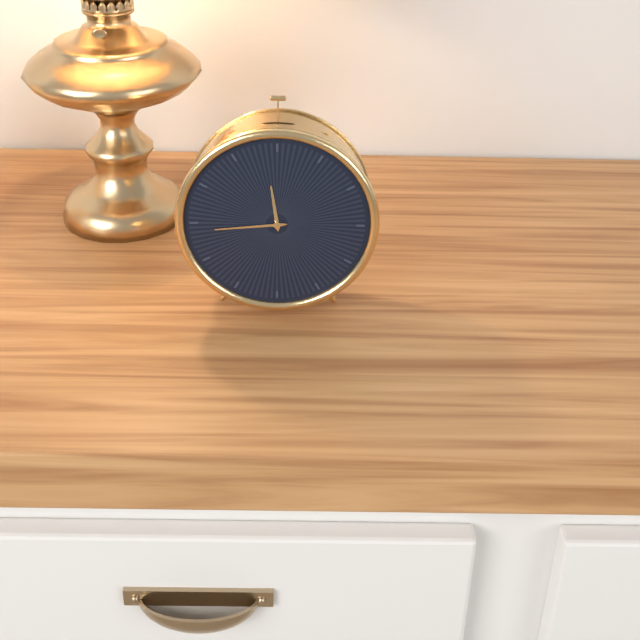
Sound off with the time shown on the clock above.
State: 11:44
